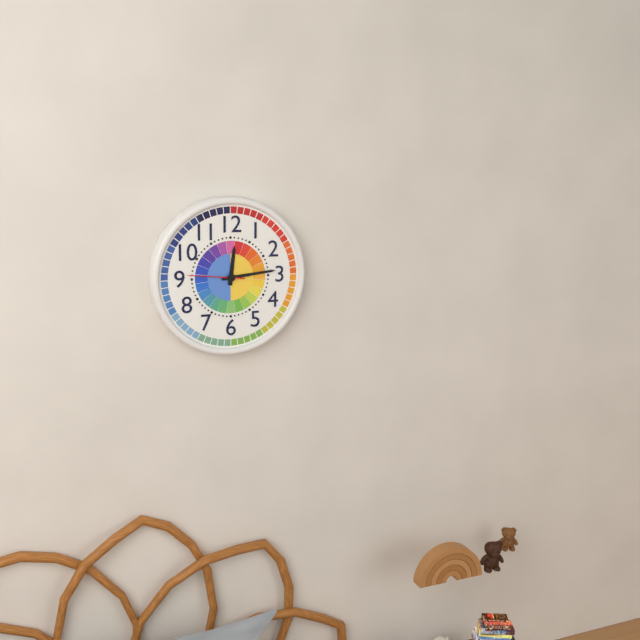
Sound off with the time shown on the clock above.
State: 12:14:46
